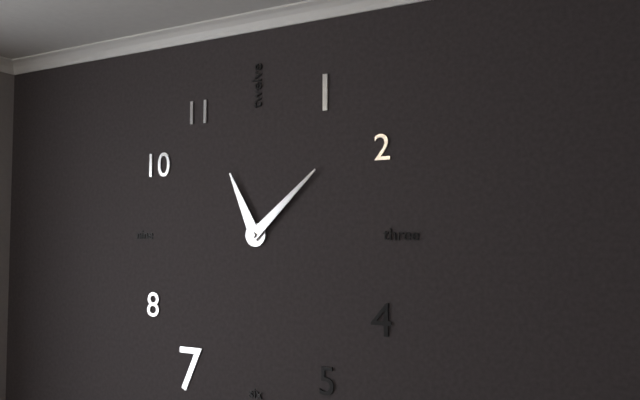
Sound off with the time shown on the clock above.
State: 11:08
